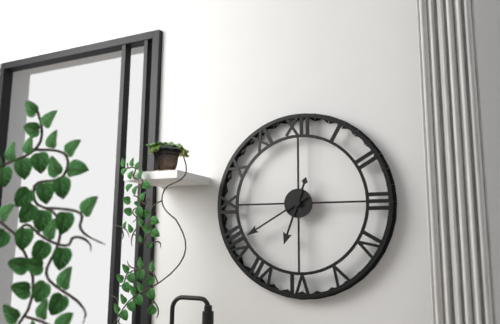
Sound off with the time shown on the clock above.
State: 6:40
